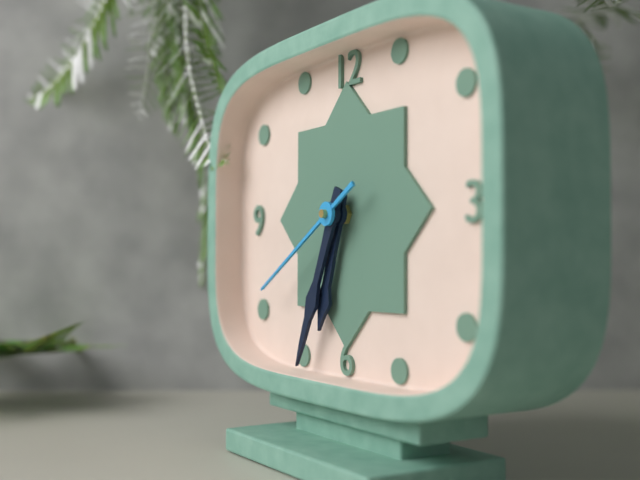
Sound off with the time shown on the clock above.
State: 6:34:40
